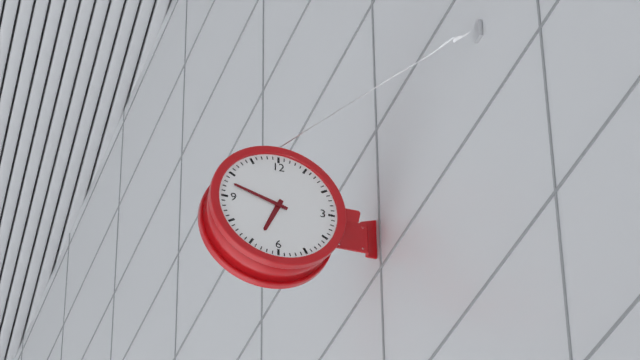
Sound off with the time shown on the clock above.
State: 6:48
